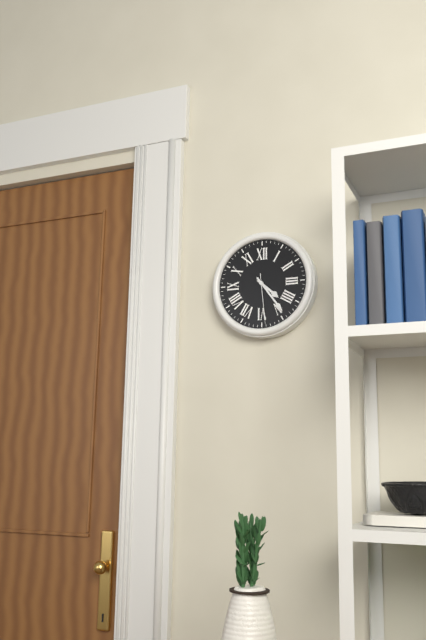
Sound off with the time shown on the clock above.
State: 4:24:29
